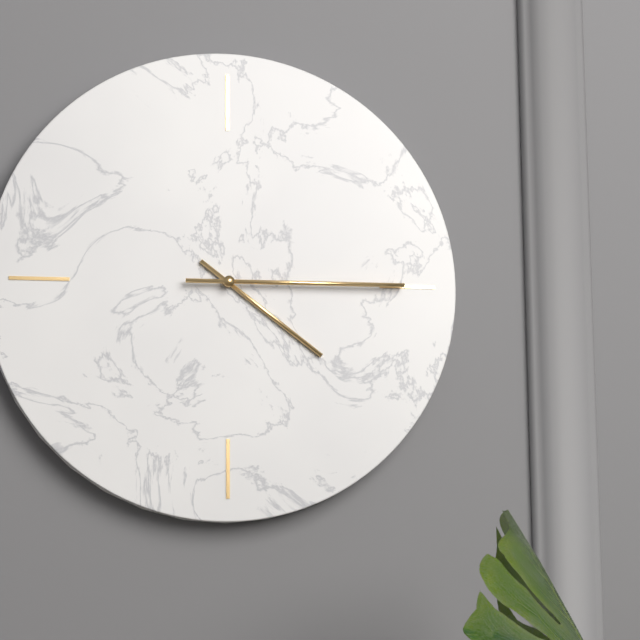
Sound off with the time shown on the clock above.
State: 4:15
